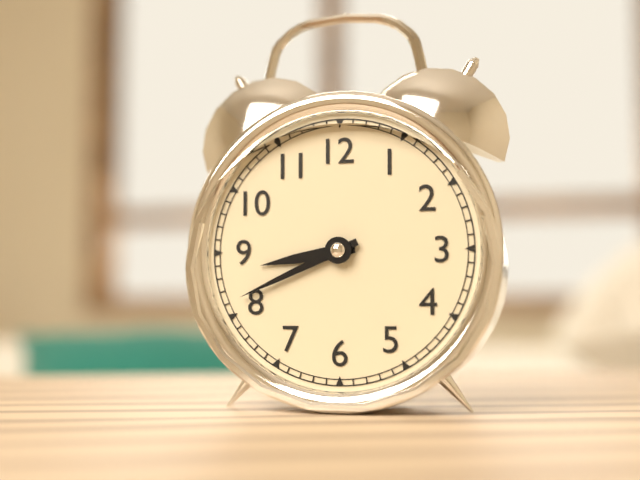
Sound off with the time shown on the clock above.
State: 8:41
